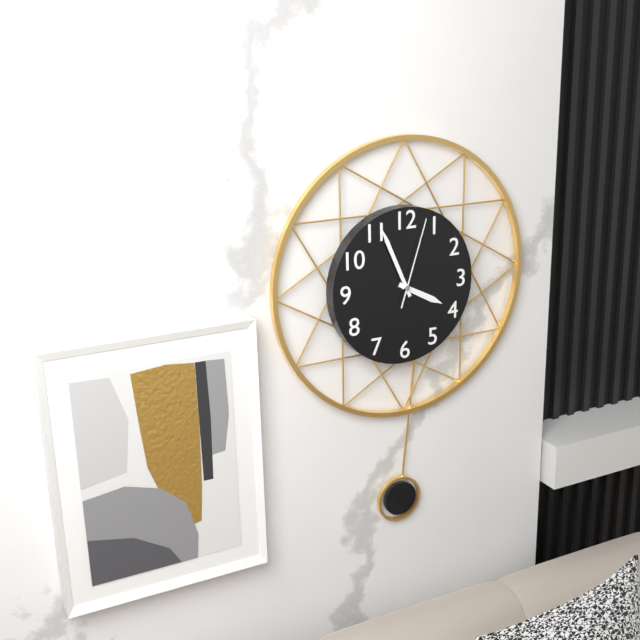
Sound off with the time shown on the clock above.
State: 3:56:03
